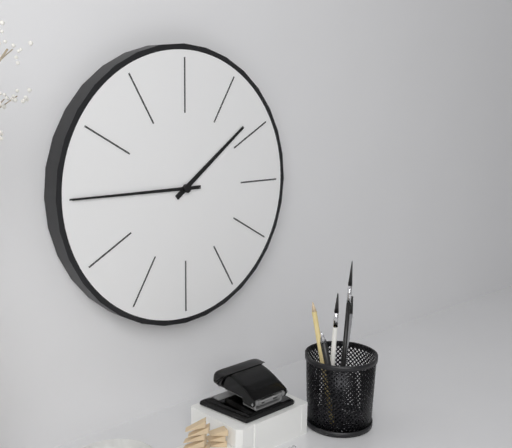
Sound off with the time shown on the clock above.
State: 1:45
